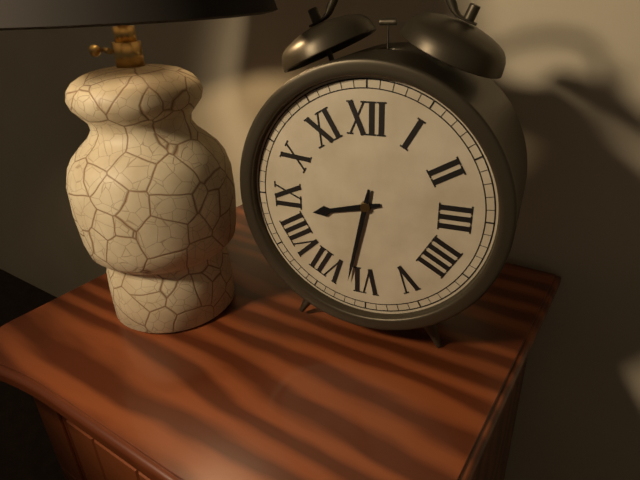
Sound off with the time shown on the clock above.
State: 8:32
